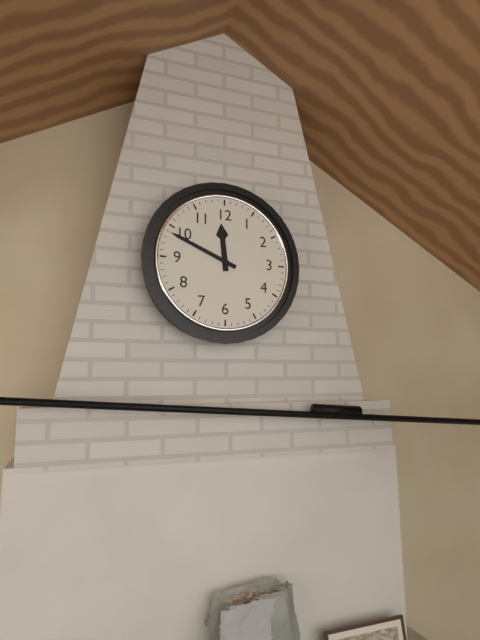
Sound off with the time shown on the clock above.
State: 11:49
